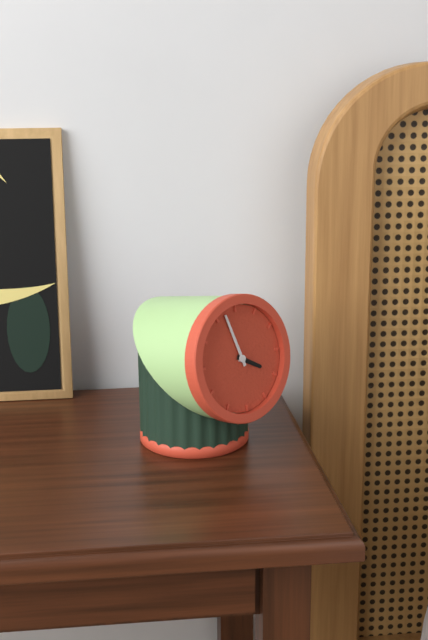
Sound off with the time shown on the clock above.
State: 3:57
